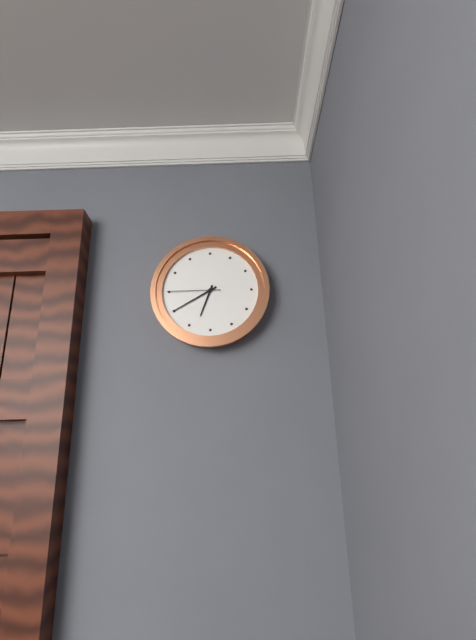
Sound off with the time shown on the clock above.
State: 6:40:45
